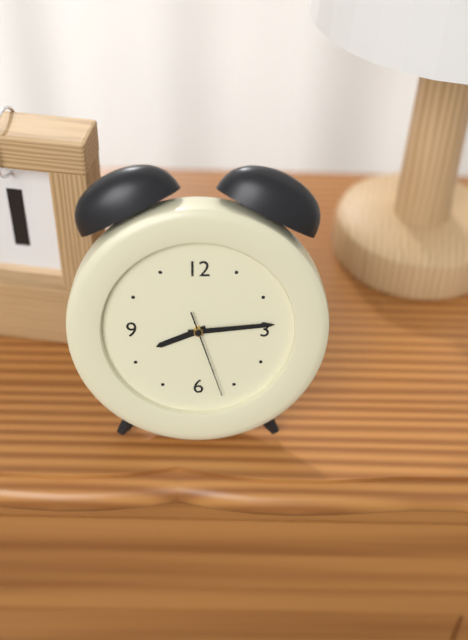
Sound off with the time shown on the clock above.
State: 8:14:27
